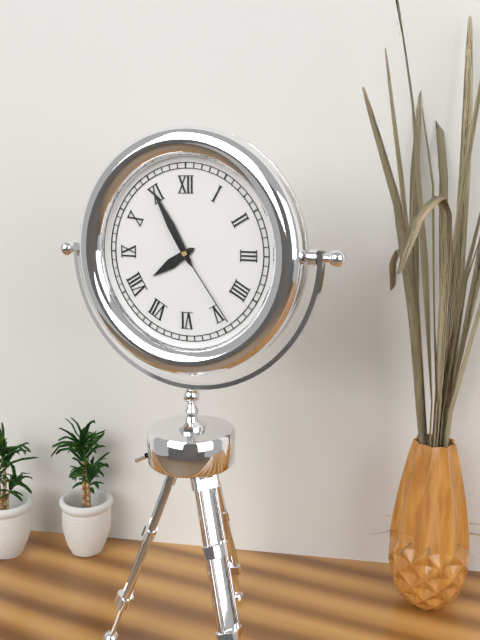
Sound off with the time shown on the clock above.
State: 7:55:24
